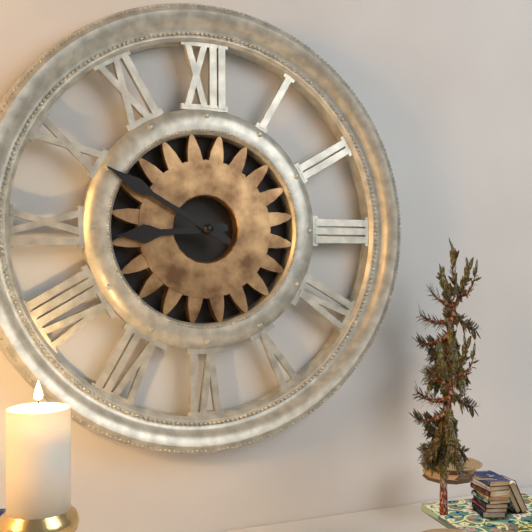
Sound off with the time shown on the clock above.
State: 8:50
